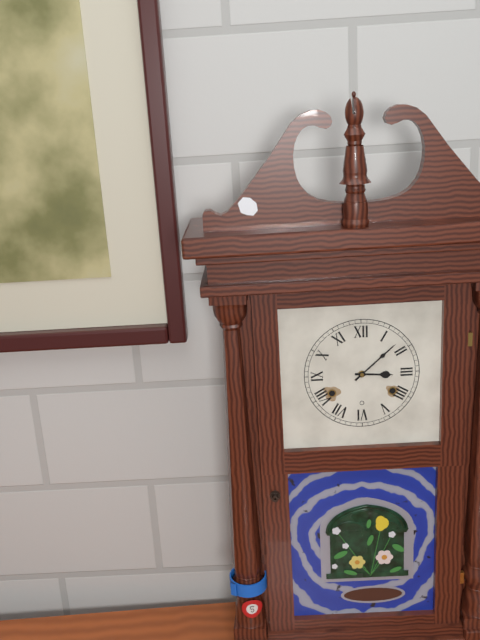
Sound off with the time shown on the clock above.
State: 3:08
